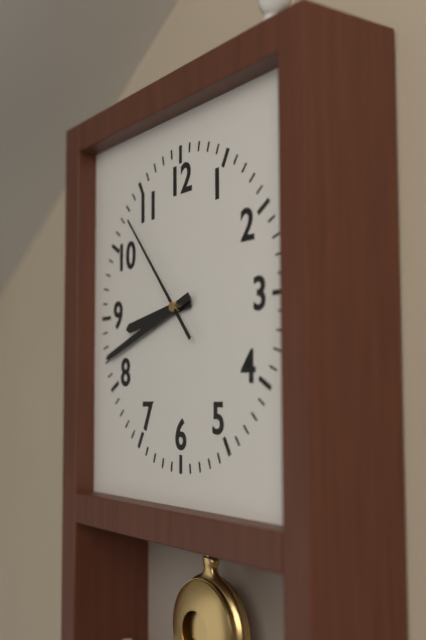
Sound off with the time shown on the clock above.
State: 8:42:53
